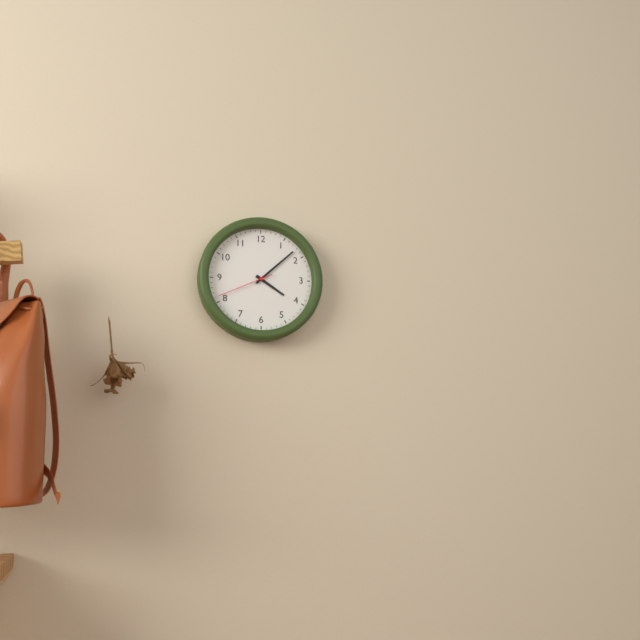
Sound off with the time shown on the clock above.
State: 4:08:41
